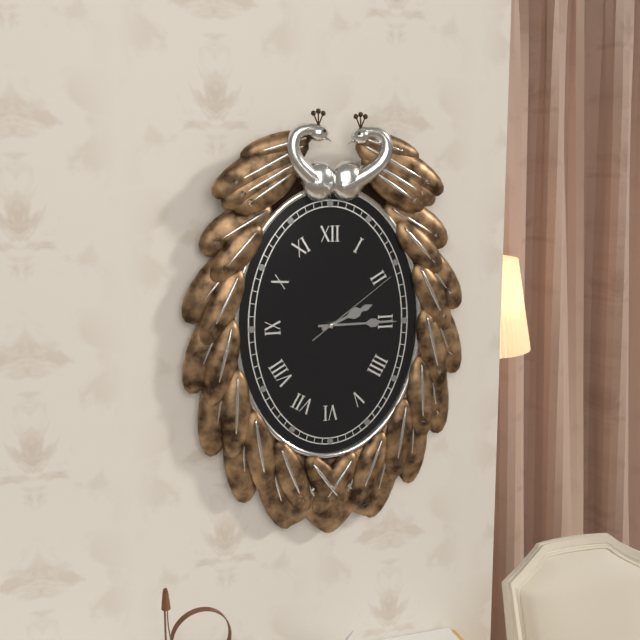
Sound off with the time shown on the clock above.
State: 2:15:09
